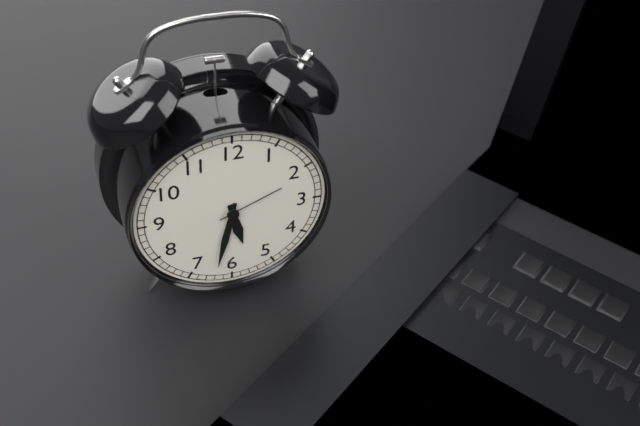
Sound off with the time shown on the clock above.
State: 5:32:11
